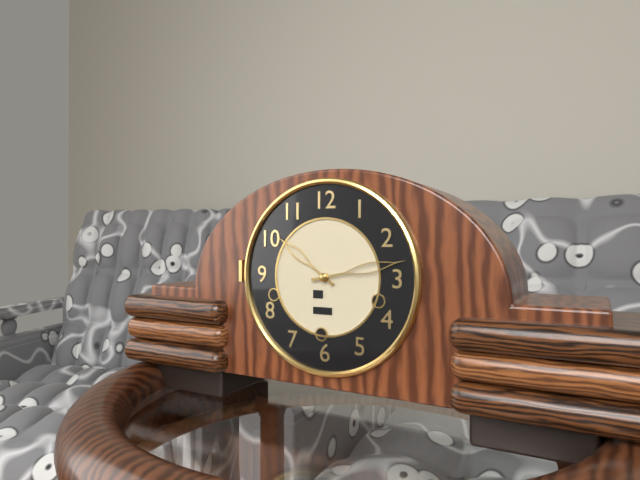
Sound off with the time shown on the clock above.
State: 10:13
